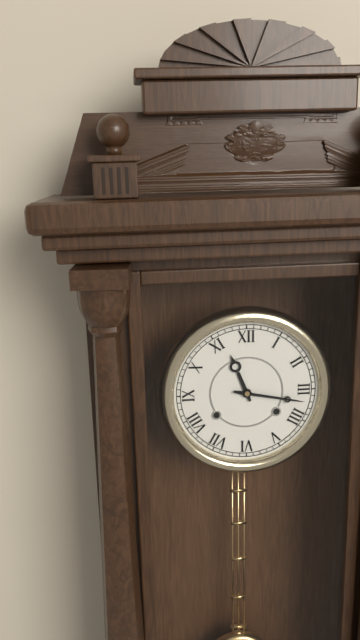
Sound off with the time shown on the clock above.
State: 11:17
